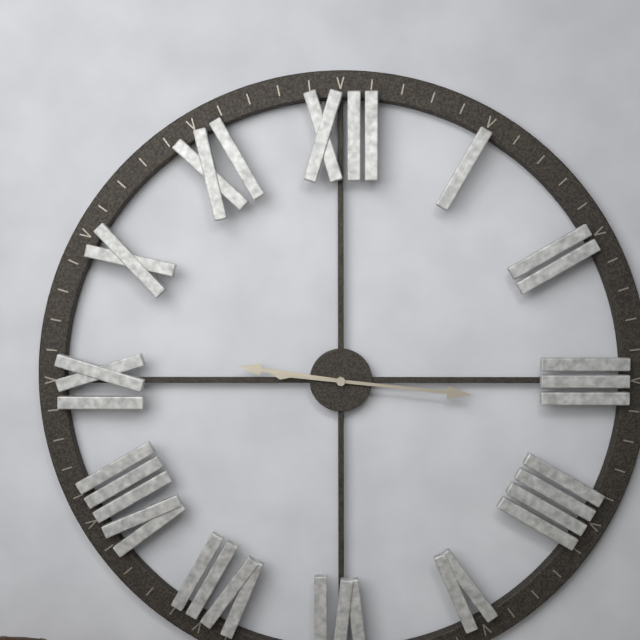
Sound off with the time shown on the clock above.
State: 9:16
